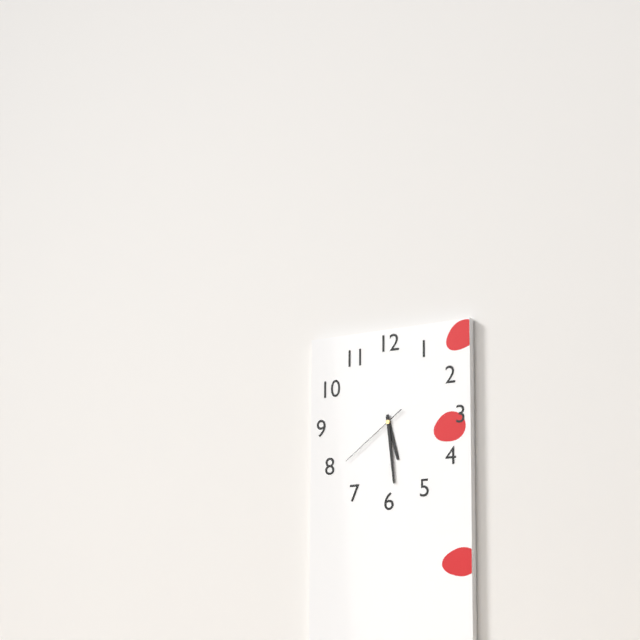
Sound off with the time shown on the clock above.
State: 5:29:39
